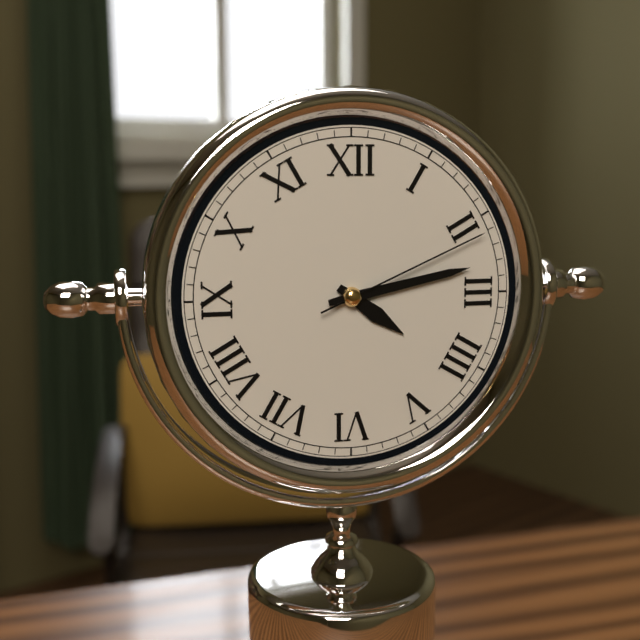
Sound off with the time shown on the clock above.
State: 4:13:11
